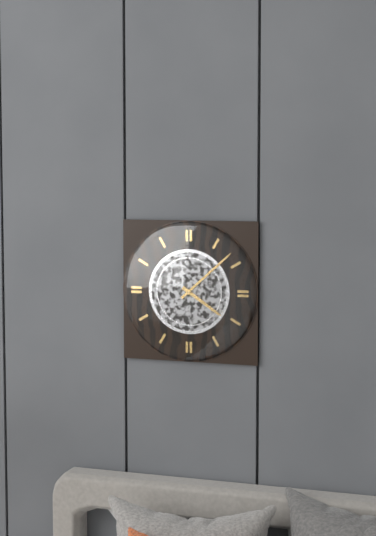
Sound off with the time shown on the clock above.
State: 4:08
